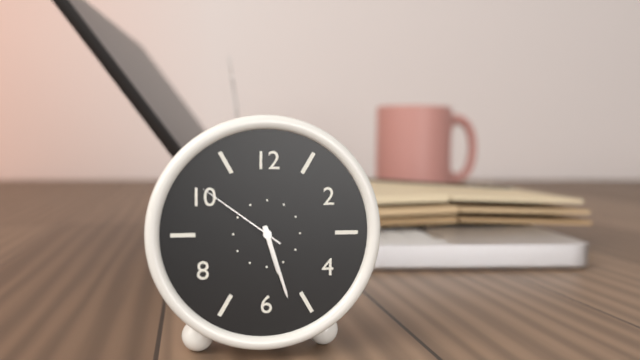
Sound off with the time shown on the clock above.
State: 5:27:51
